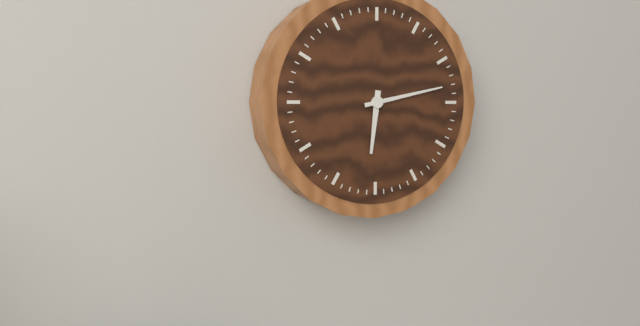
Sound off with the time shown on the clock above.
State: 6:13
